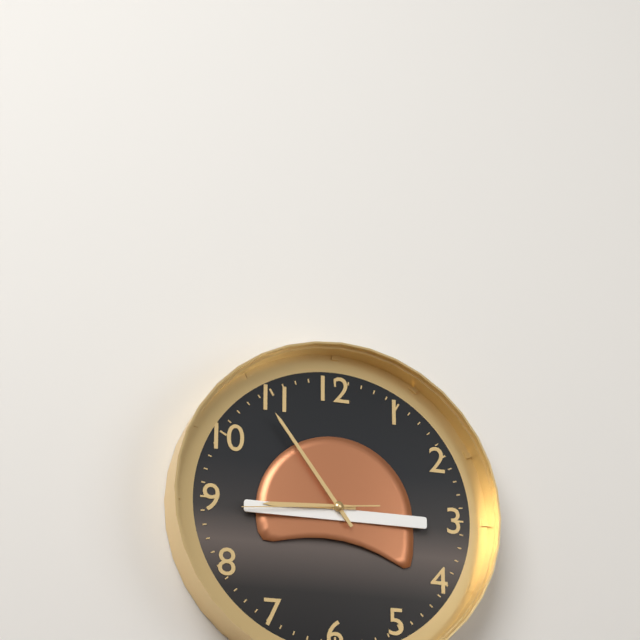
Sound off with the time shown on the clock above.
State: 8:54:44
